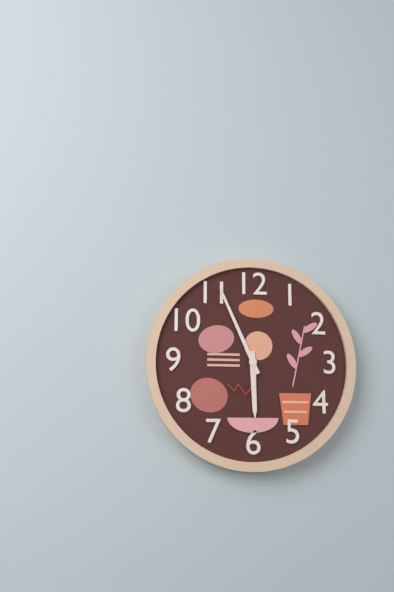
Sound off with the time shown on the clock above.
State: 5:56
